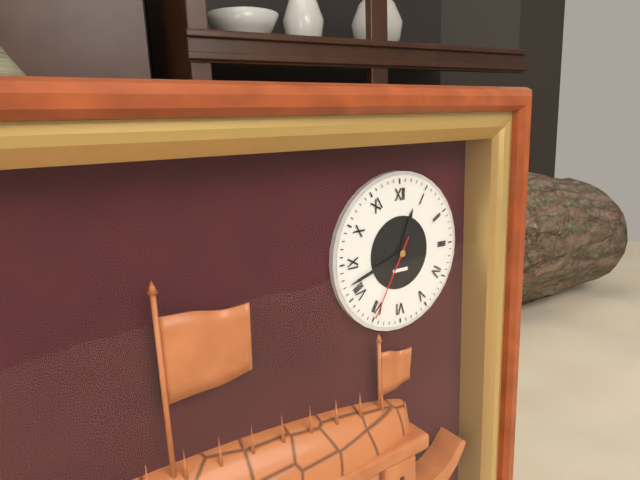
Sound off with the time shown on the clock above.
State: 12:42:35
